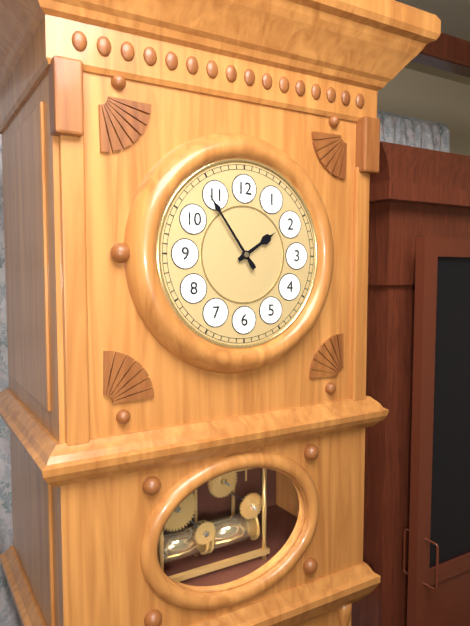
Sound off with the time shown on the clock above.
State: 1:54
